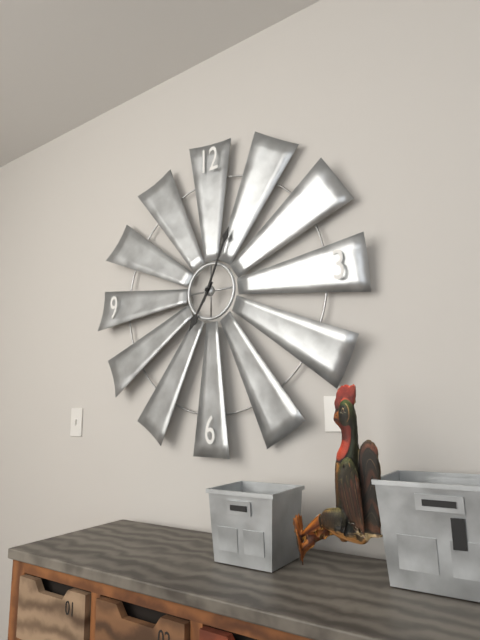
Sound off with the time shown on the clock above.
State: 7:04
